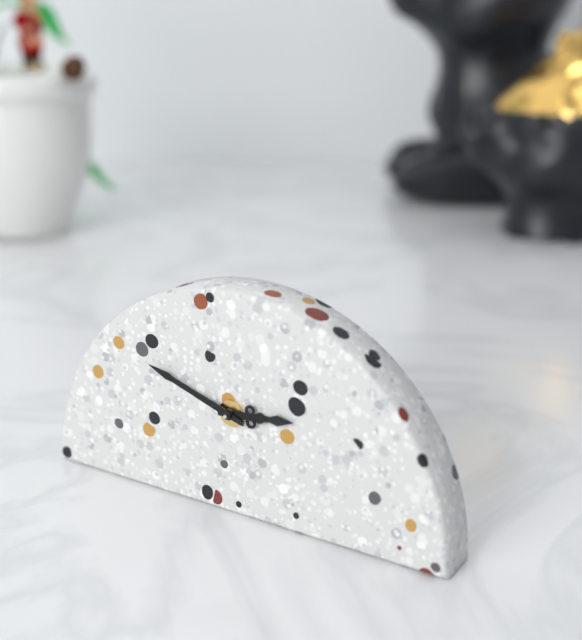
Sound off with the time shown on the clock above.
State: 2:48
